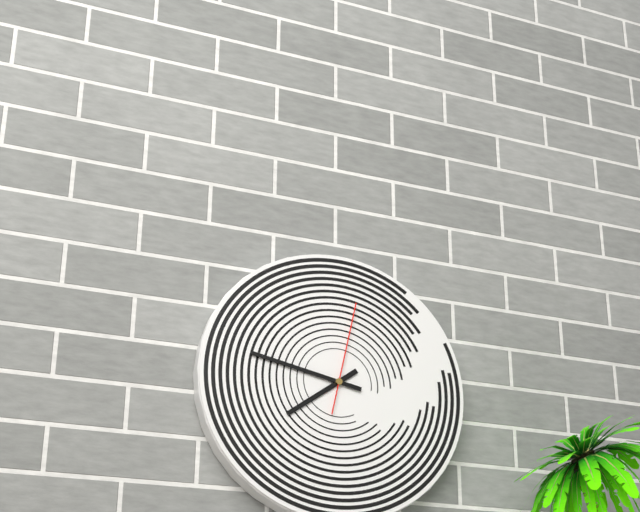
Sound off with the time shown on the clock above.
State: 7:47:02
